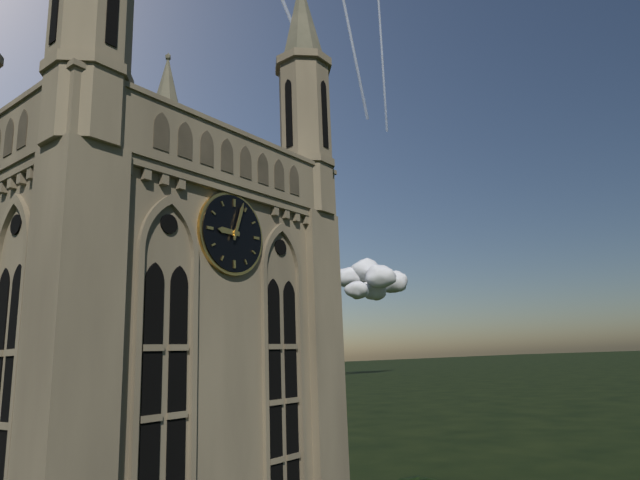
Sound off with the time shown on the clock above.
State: 9:03
